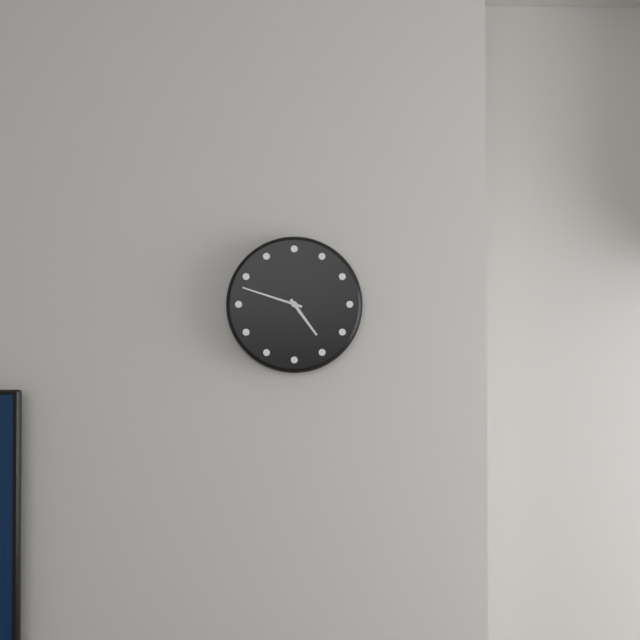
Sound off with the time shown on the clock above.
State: 4:48
